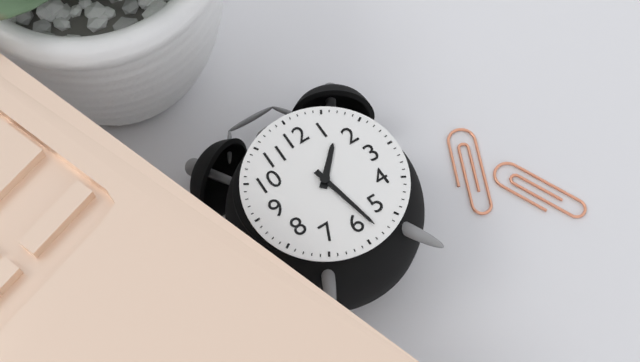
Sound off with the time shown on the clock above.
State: 1:28
